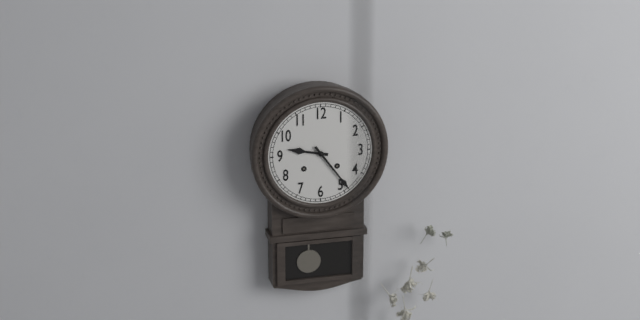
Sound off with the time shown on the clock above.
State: 9:24
